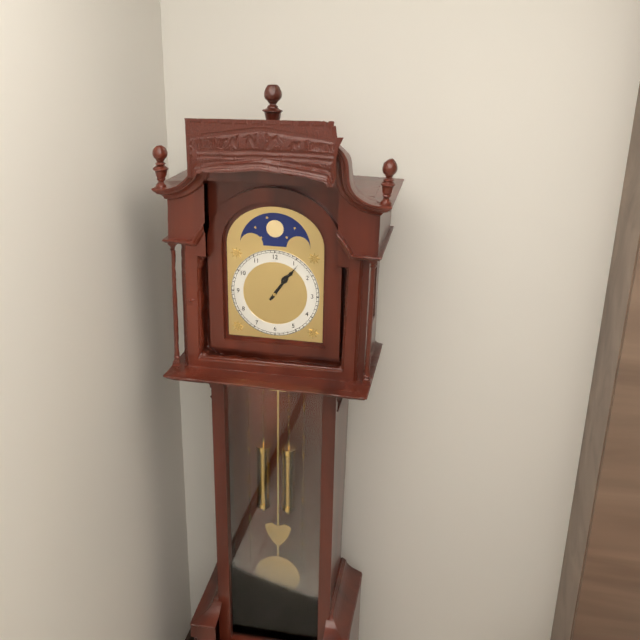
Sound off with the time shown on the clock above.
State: 1:06
